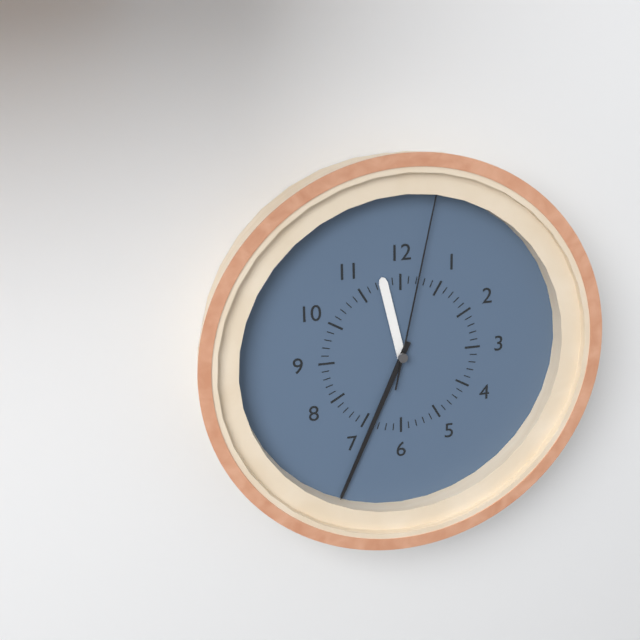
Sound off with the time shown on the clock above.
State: 11:34:02
